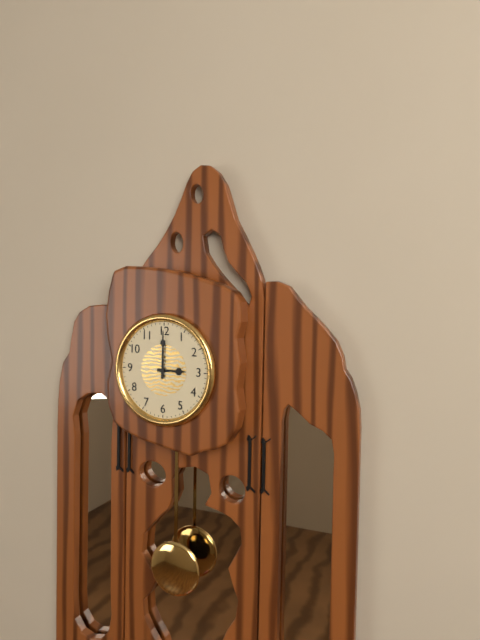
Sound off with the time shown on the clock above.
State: 3:00
